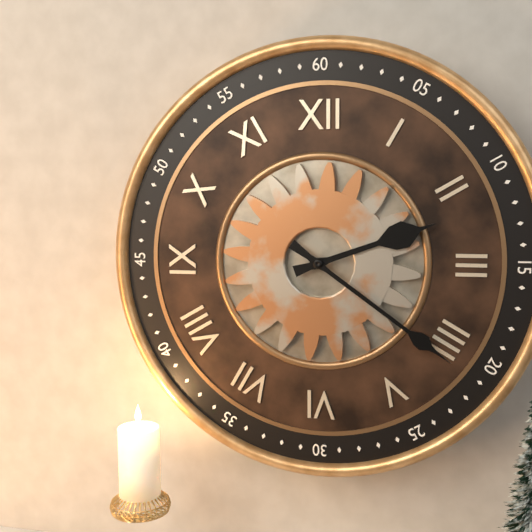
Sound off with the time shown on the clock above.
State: 2:21
